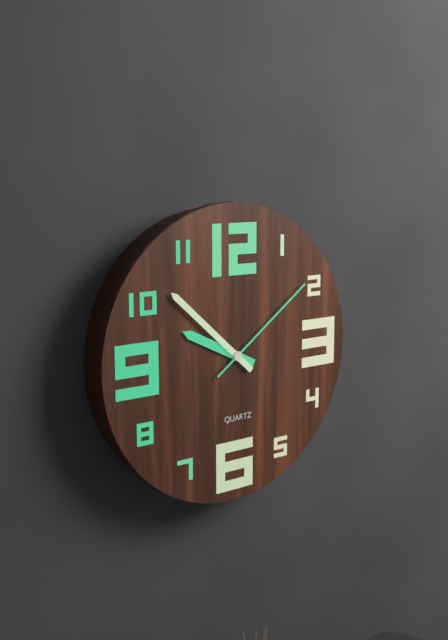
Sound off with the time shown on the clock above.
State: 9:52:09
